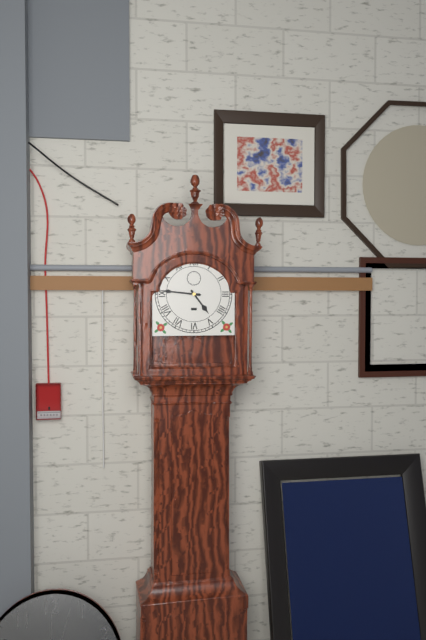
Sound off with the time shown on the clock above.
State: 4:46
